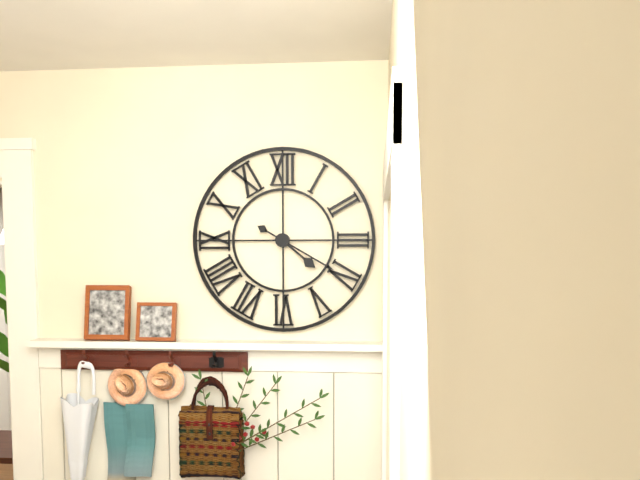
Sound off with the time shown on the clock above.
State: 4:20
